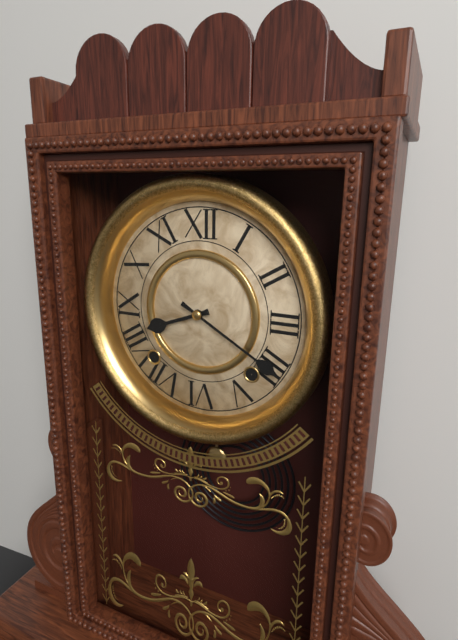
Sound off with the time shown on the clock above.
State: 8:20
